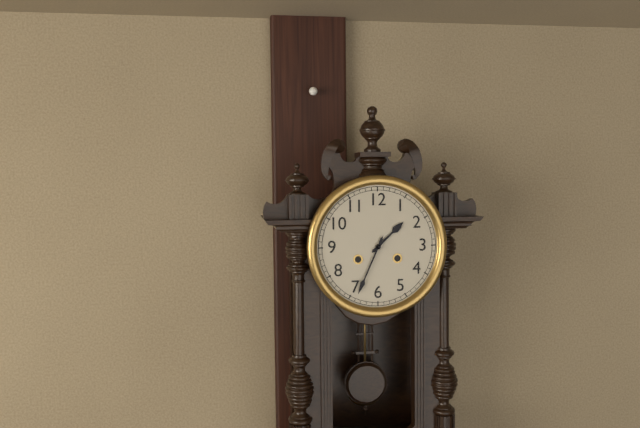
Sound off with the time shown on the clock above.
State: 1:34
